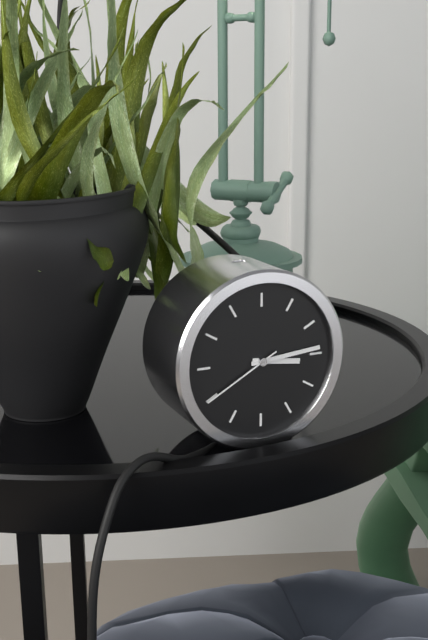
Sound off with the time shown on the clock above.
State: 3:14:40
